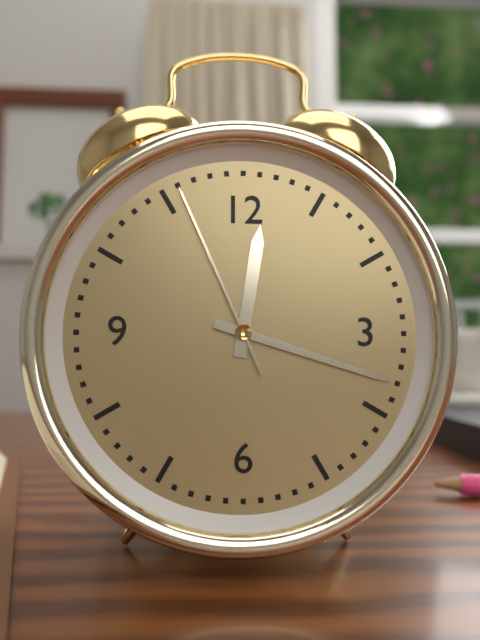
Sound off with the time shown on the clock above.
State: 12:18:56
